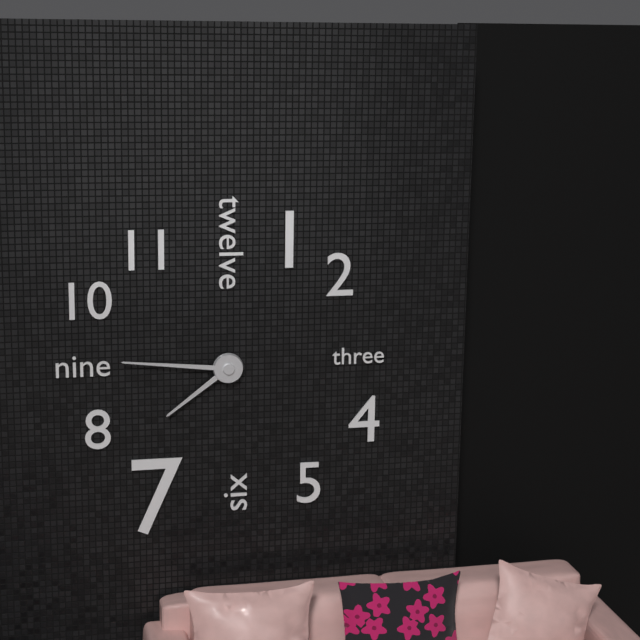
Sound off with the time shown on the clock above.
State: 7:46
